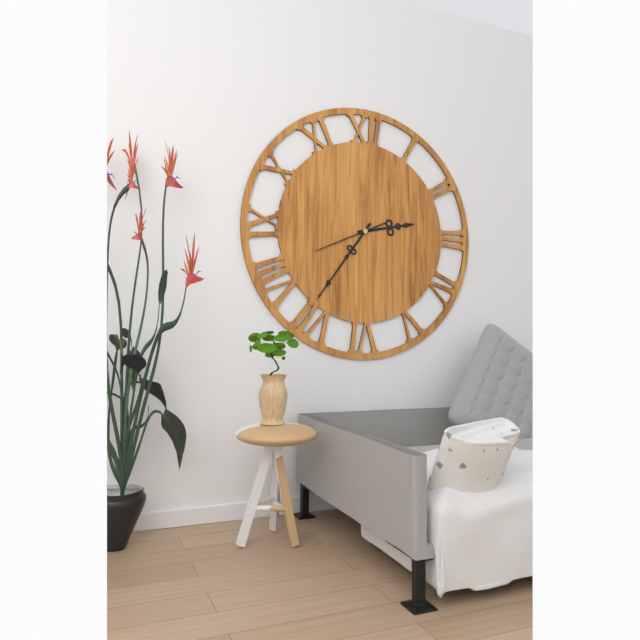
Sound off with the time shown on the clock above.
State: 2:36:41
